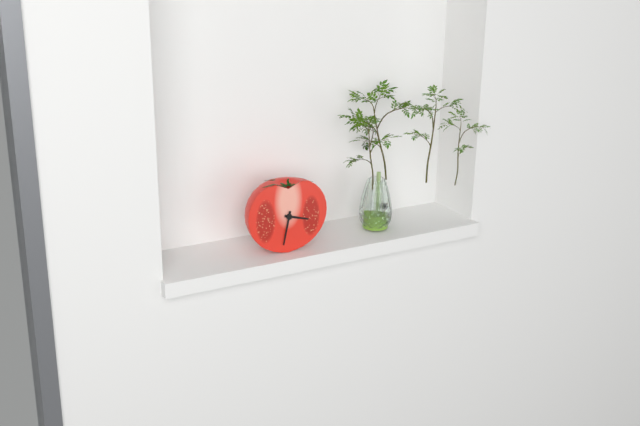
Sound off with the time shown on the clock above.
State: 3:32
